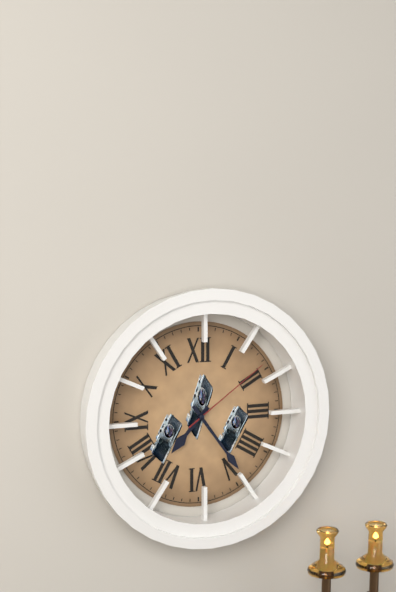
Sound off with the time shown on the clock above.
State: 7:24:09
